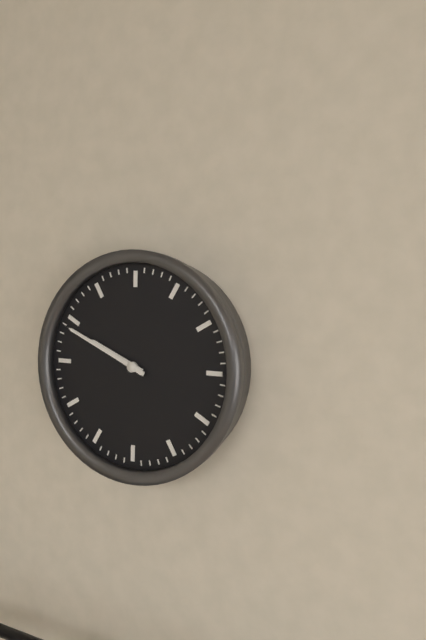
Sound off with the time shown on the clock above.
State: 9:49
